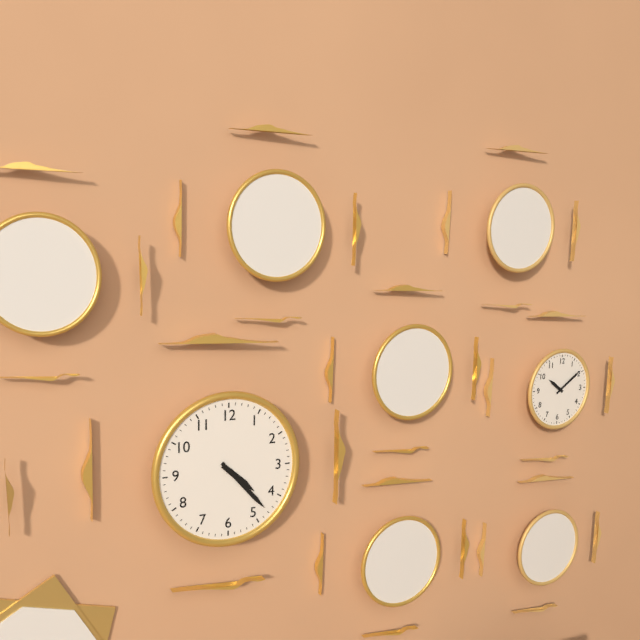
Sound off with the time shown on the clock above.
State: 4:23
